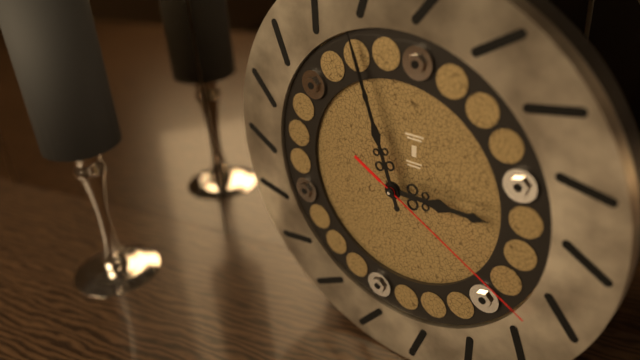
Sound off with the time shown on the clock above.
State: 2:57:20
